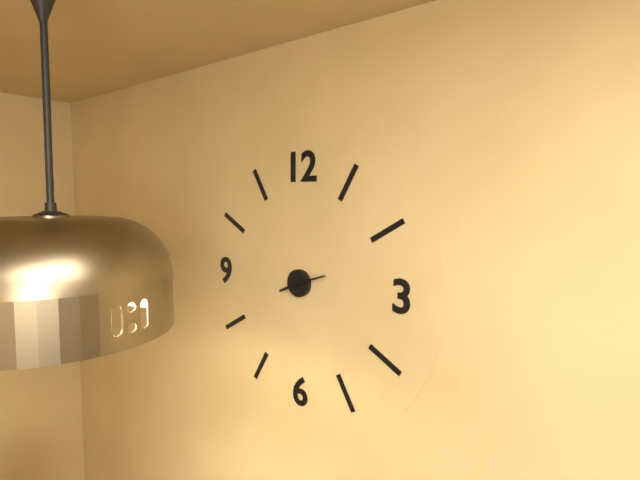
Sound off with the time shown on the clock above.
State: 8:12
